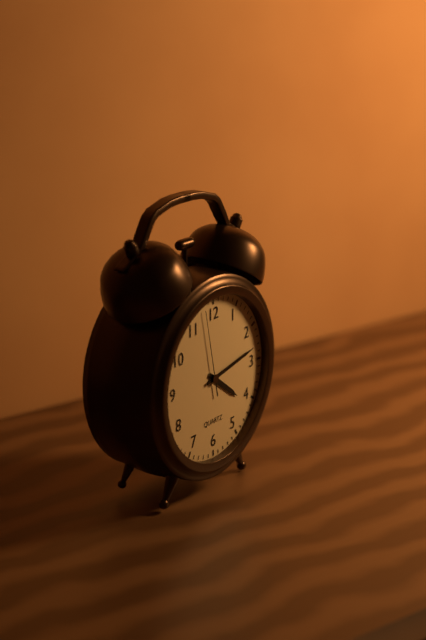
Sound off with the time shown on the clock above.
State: 4:13:58
